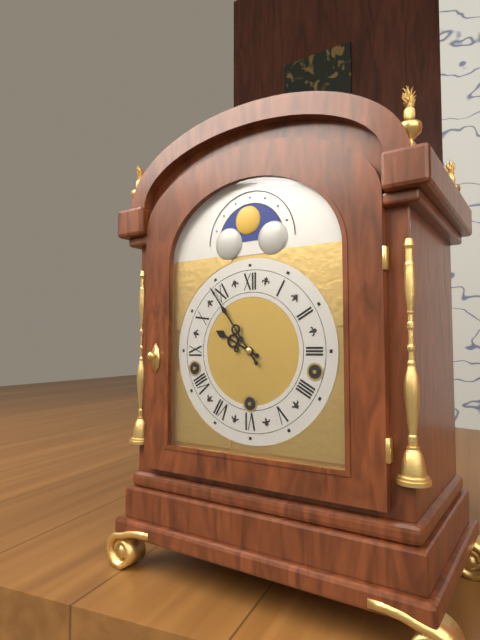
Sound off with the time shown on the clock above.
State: 9:54
